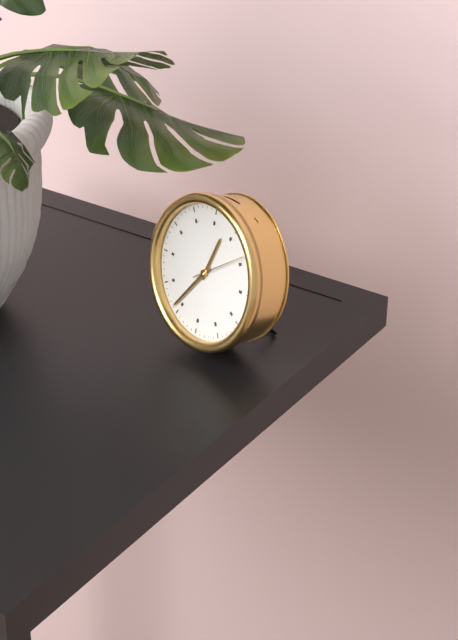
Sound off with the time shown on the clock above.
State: 12:36:09
